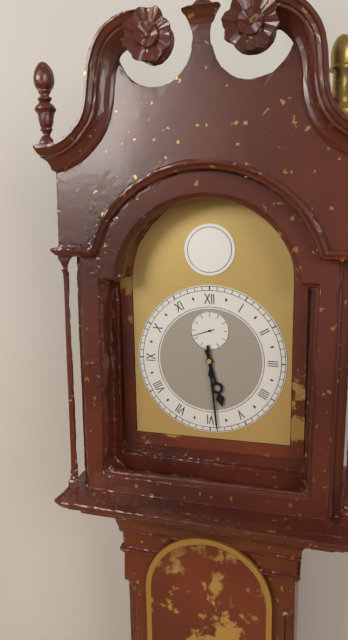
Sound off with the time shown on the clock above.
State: 5:29
